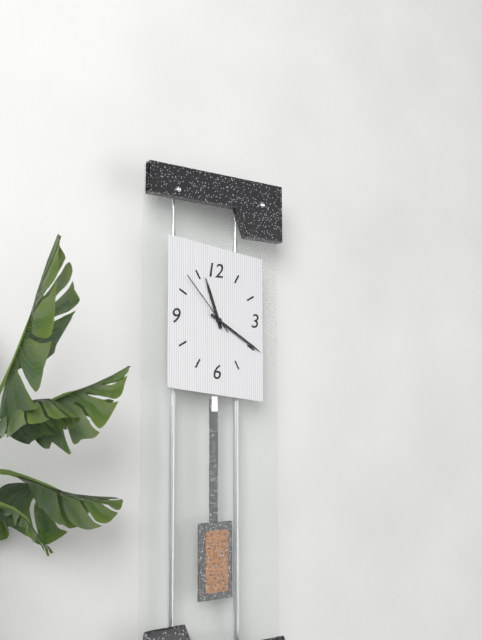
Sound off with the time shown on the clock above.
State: 11:20:53
